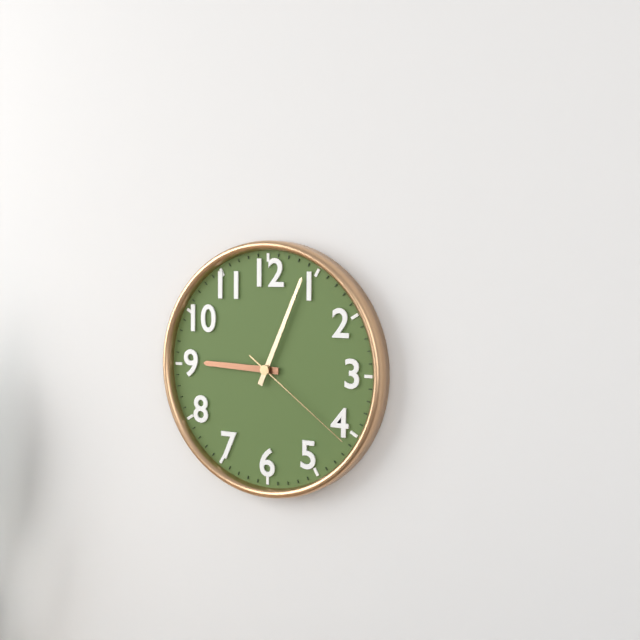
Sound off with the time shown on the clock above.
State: 9:04:21
